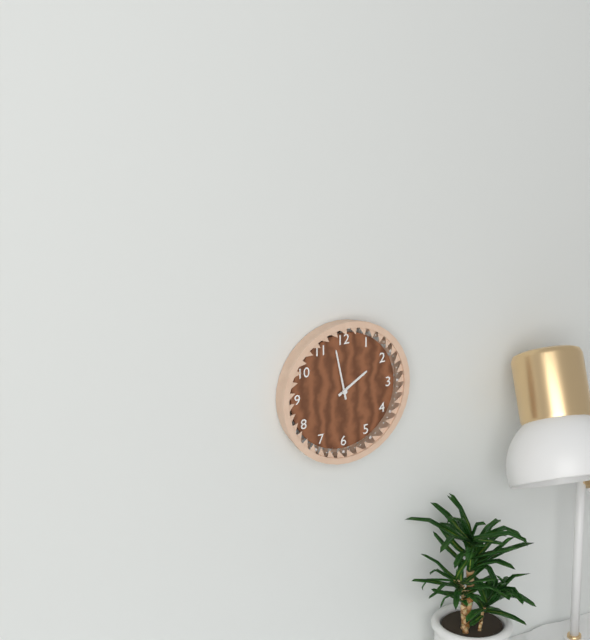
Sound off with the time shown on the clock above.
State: 1:58
